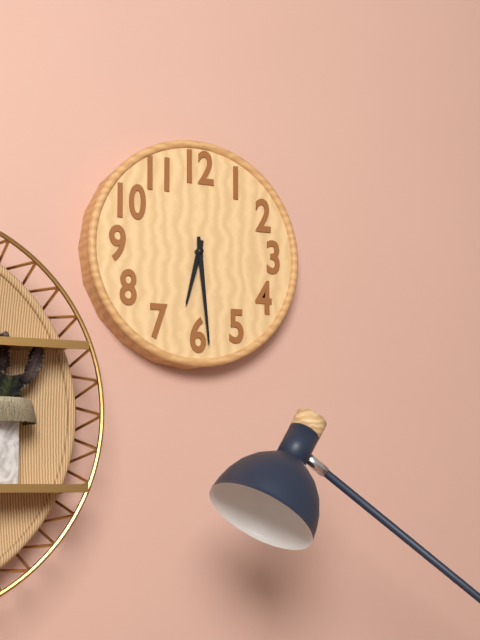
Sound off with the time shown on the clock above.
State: 6:29
